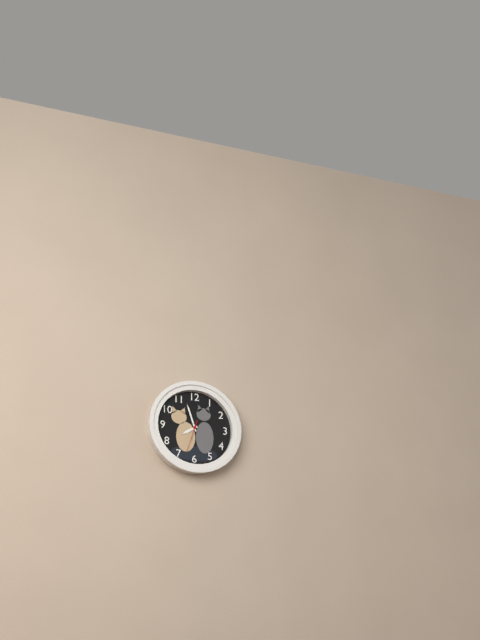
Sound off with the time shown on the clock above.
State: 7:57
